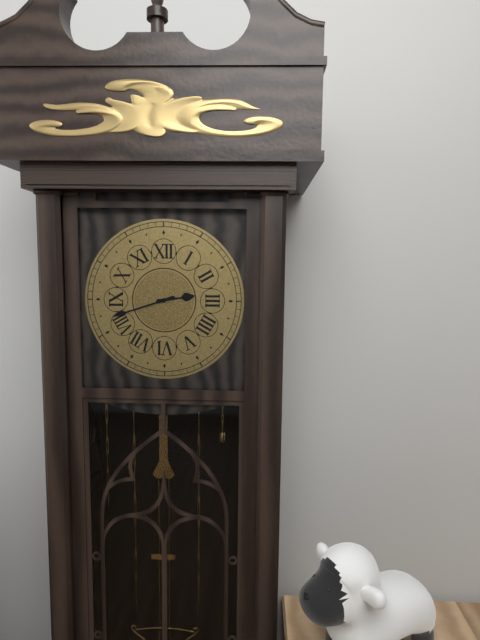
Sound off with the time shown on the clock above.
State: 2:42
